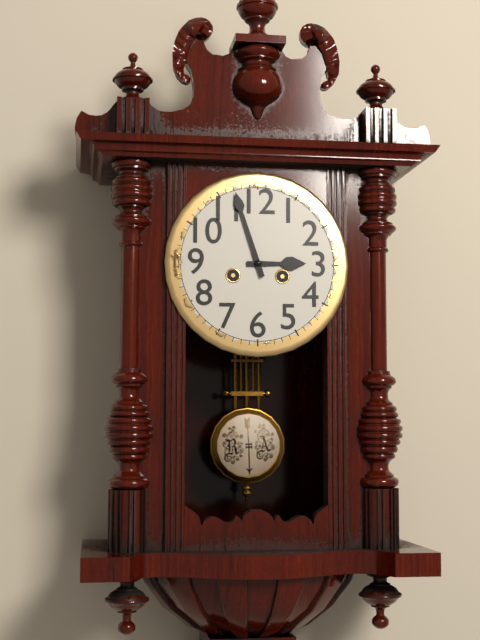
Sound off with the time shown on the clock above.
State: 2:57
